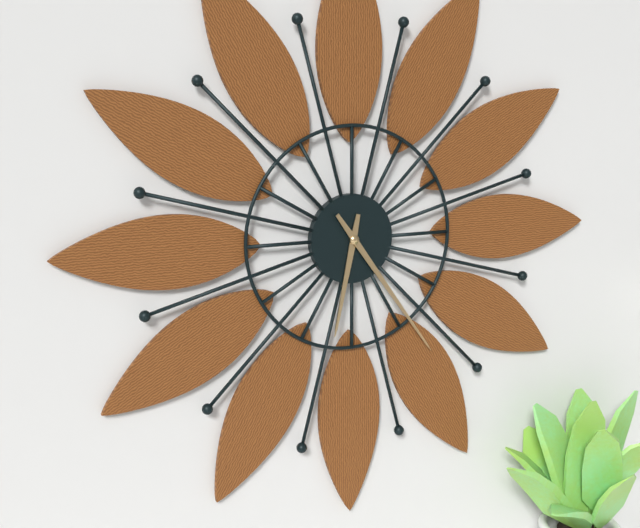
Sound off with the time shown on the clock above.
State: 6:24
